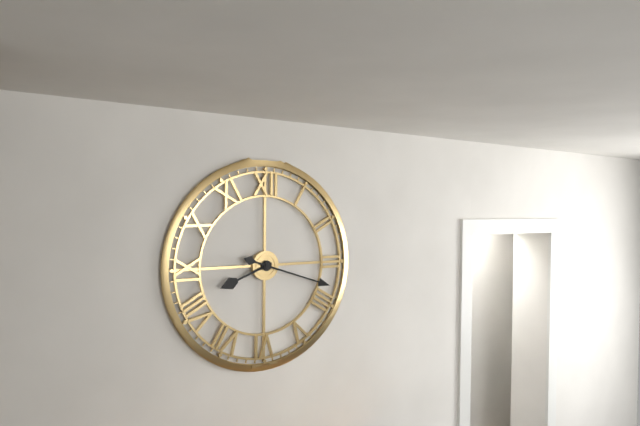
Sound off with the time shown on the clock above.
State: 8:18
